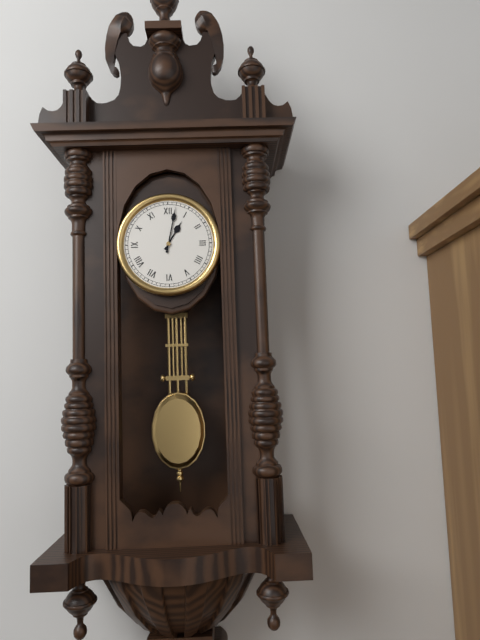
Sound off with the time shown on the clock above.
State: 1:02
